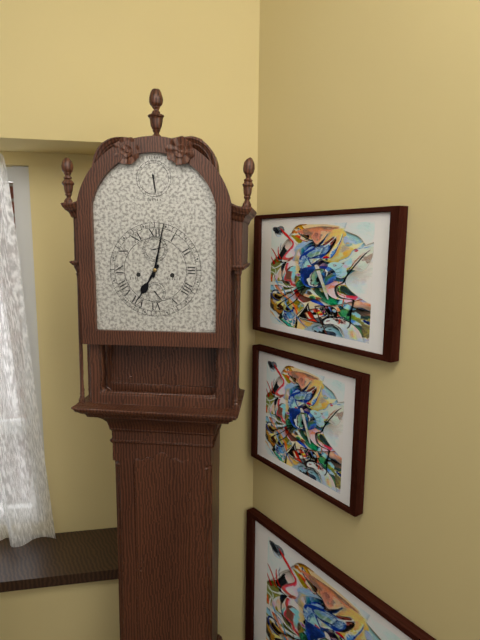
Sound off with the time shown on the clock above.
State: 7:02
